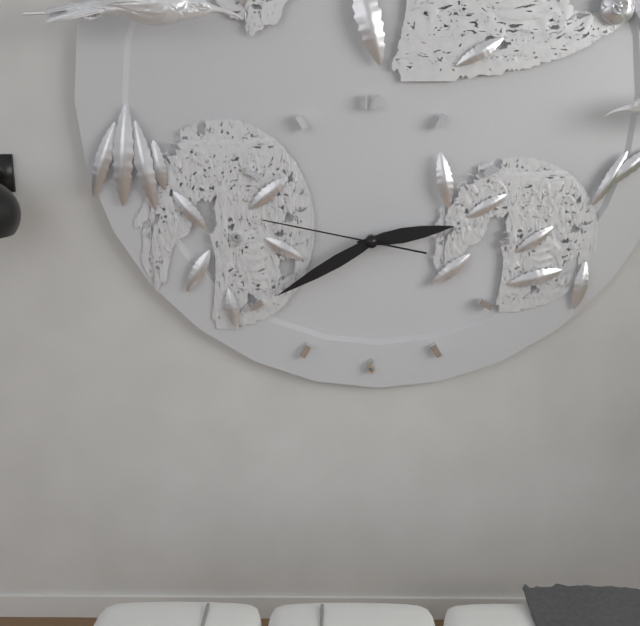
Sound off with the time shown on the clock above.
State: 2:40:47
